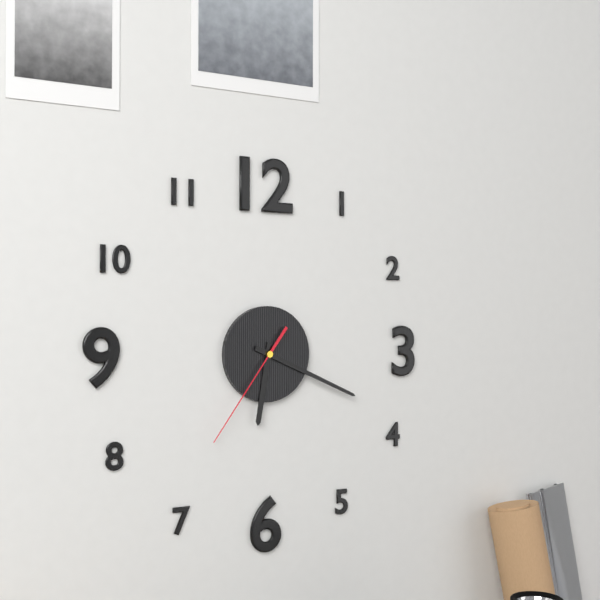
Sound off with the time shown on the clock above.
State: 6:19:36
